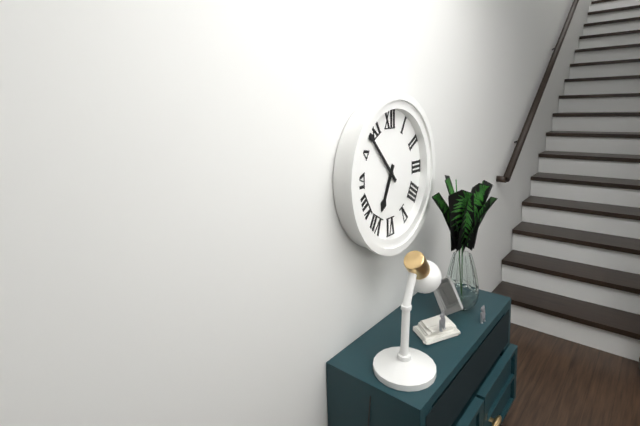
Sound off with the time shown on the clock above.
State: 6:53
